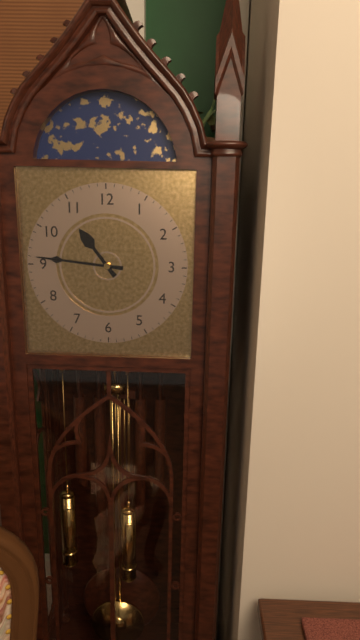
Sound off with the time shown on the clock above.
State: 10:46
